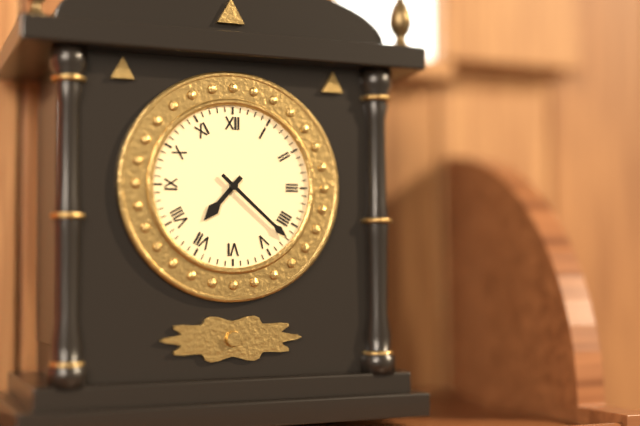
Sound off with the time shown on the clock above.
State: 7:22
